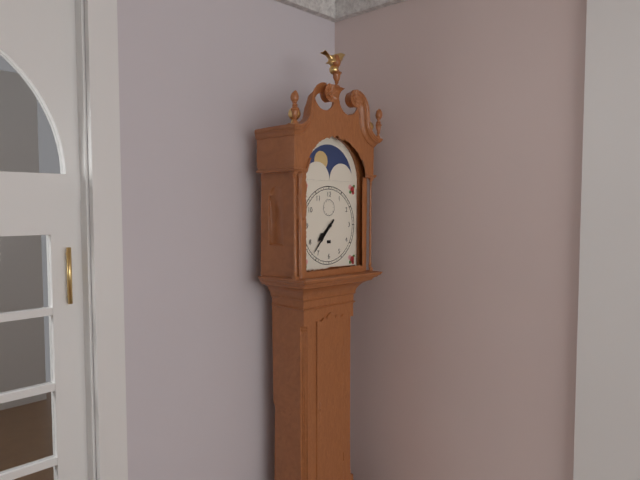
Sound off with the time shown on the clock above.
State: 7:37
